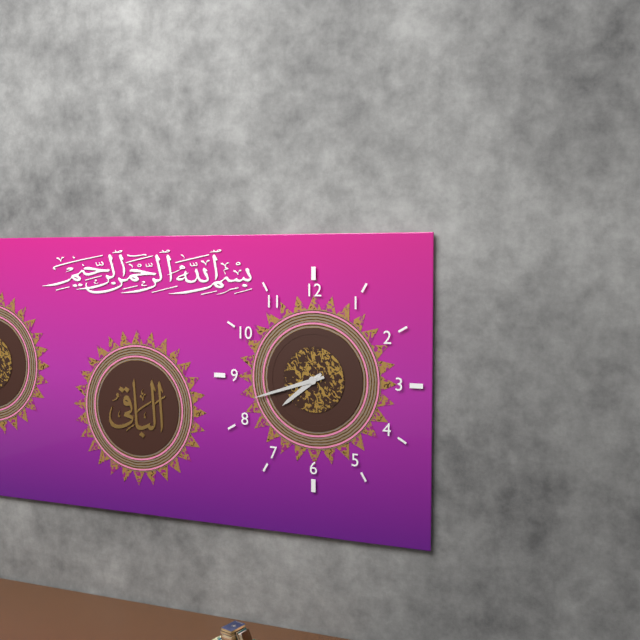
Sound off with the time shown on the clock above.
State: 7:42
